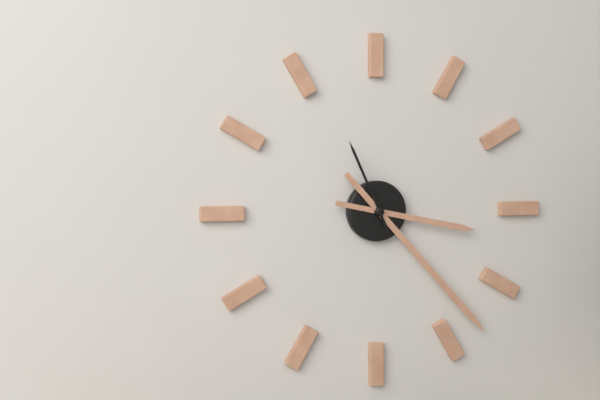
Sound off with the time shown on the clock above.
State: 3:23:56
